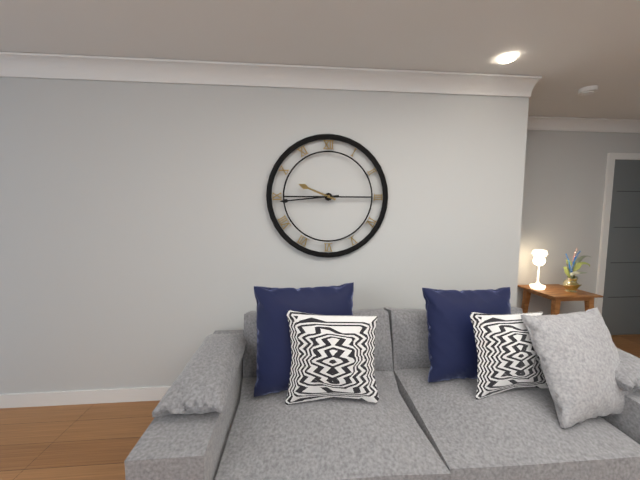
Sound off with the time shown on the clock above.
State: 9:44
